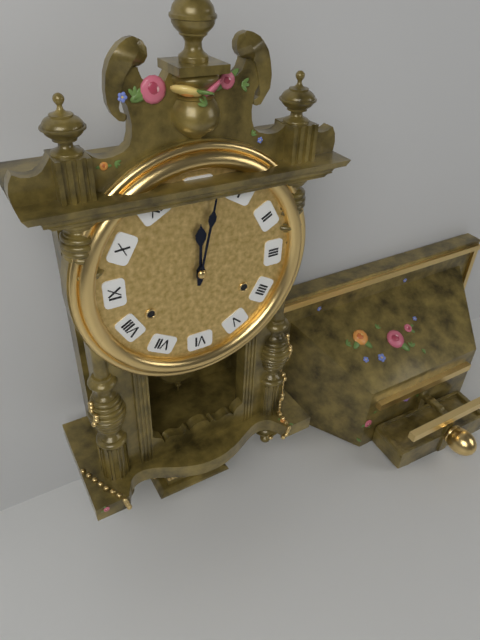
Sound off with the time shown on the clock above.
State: 12:02
